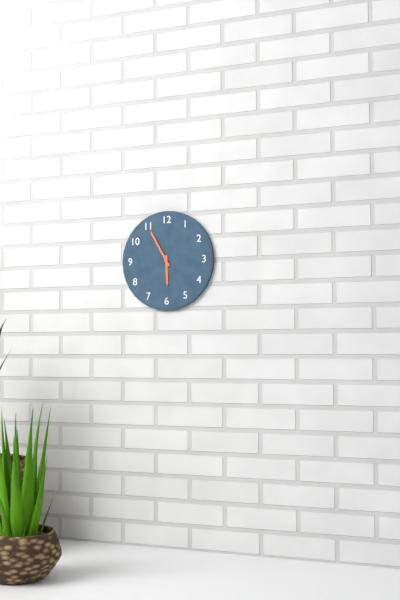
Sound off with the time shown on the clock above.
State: 5:55
